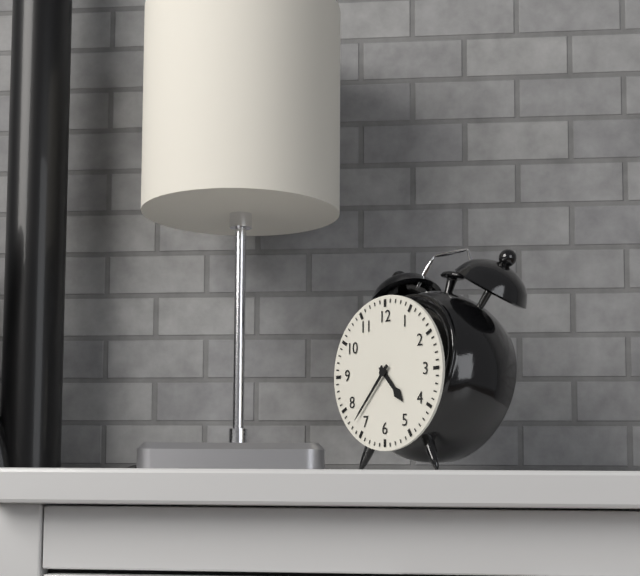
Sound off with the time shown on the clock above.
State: 4:37
